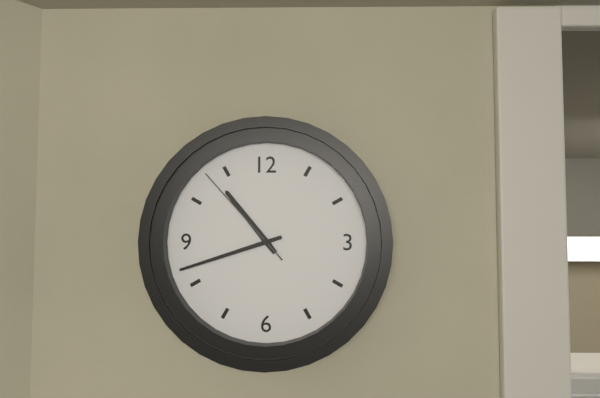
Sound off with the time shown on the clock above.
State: 10:42:53
